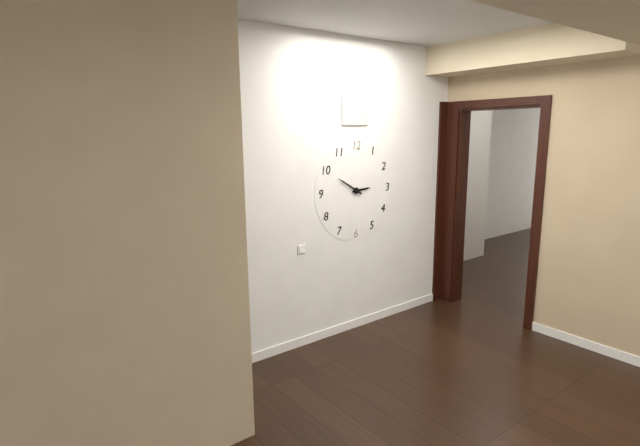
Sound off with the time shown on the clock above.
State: 2:50
